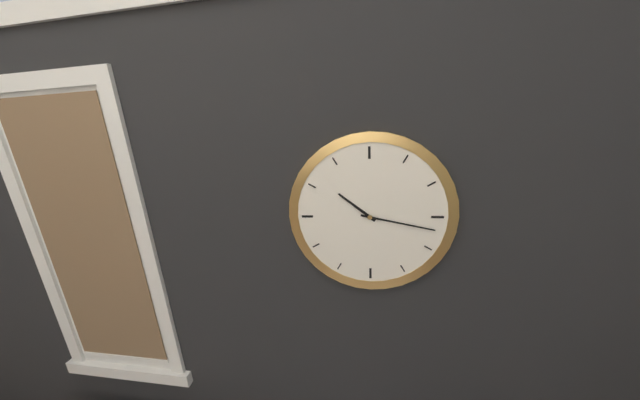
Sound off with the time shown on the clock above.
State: 10:17
